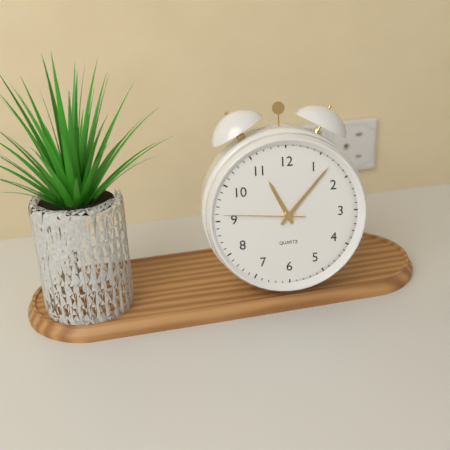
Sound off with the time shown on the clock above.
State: 11:07:46
